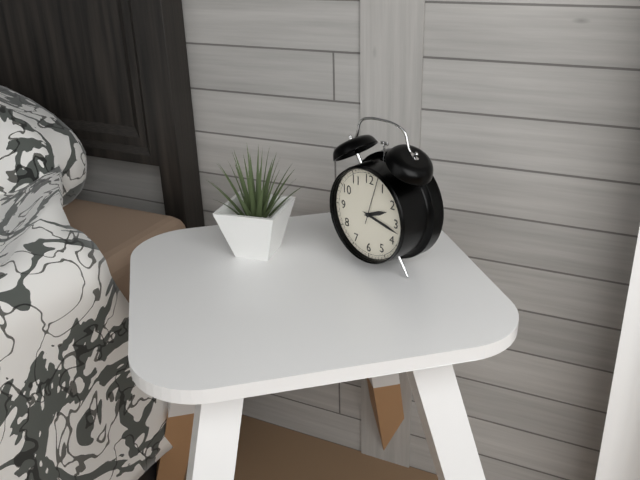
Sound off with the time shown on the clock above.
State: 2:17
